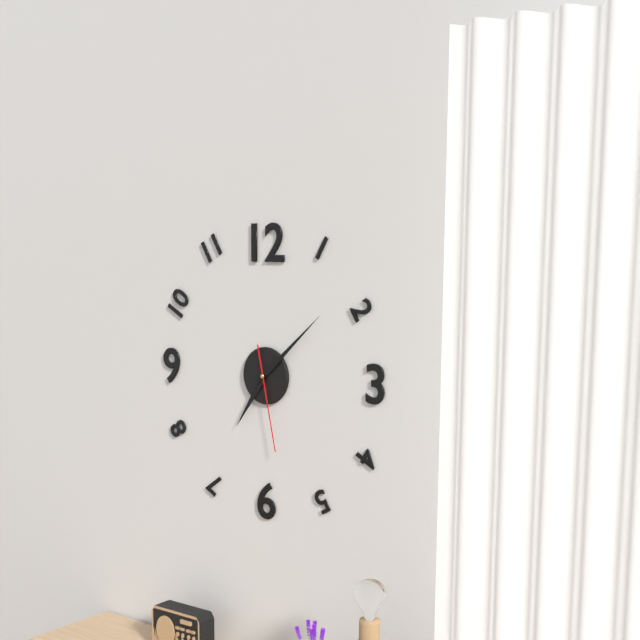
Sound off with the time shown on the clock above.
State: 7:08:28
